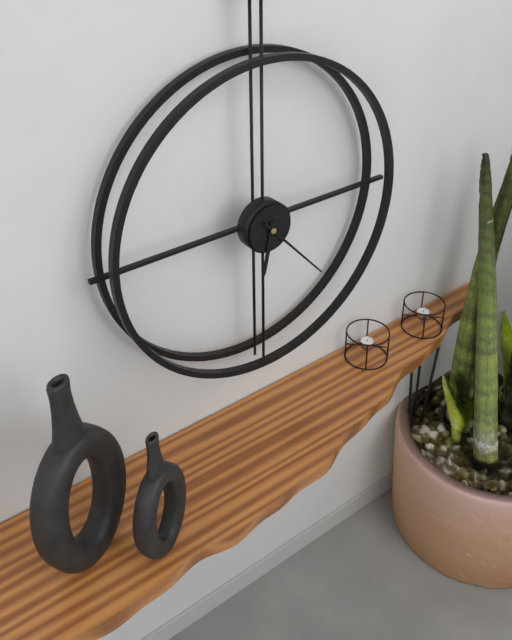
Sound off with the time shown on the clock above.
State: 6:23
